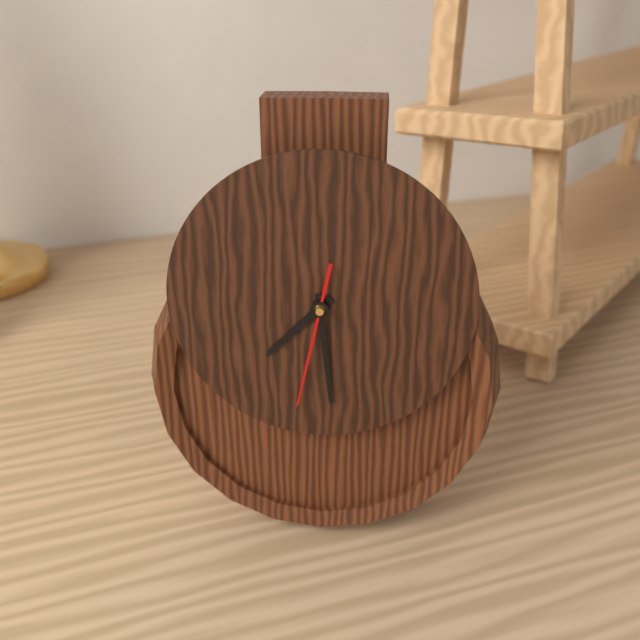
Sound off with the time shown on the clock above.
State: 7:29:32
